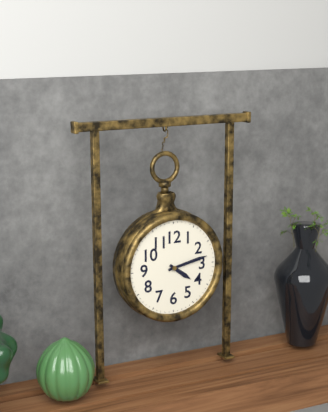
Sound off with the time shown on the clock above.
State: 4:13
